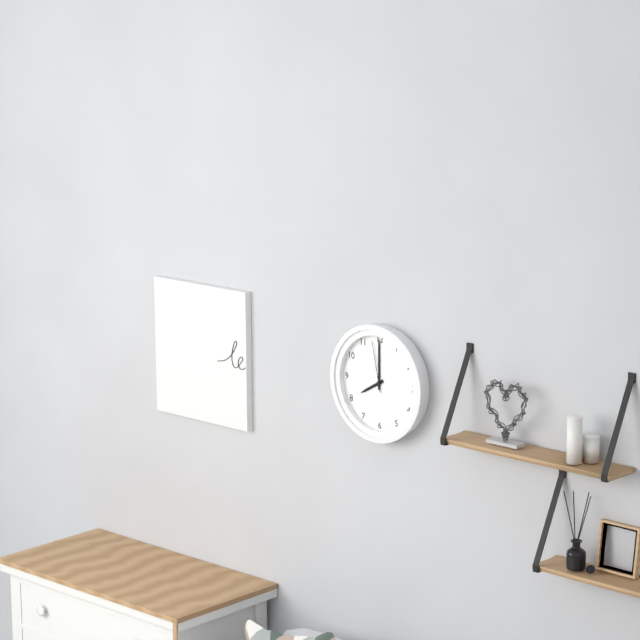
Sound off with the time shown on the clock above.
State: 8:00:58
